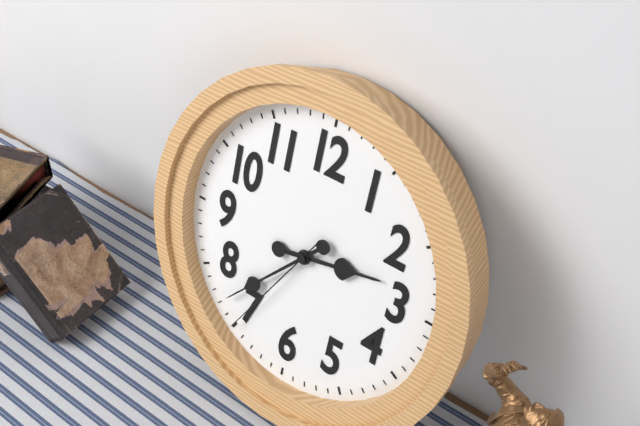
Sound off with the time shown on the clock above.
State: 2:37:35
